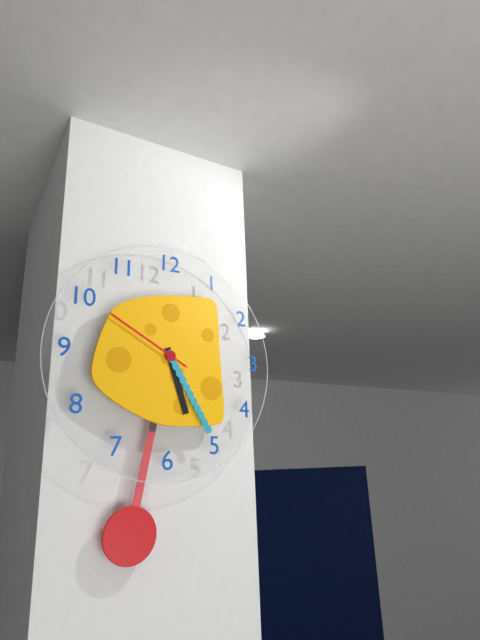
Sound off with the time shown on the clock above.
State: 5:25:50
